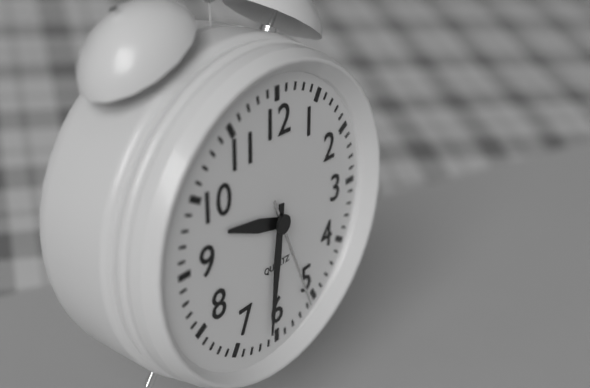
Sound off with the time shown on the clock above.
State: 9:31:26
